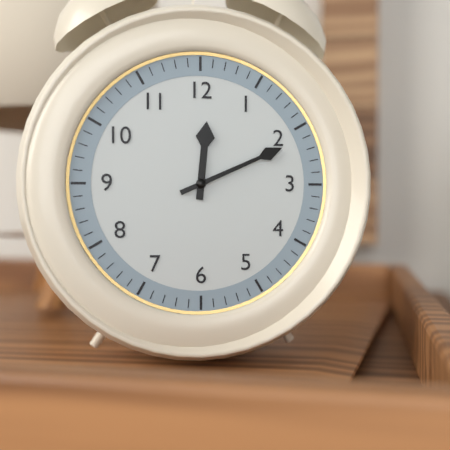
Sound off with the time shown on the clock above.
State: 12:11
